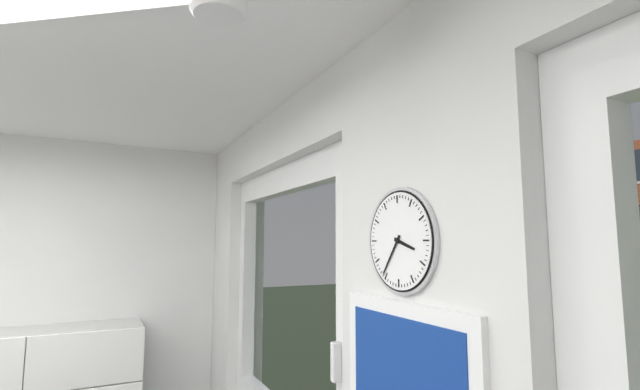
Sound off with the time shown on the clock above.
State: 3:36
